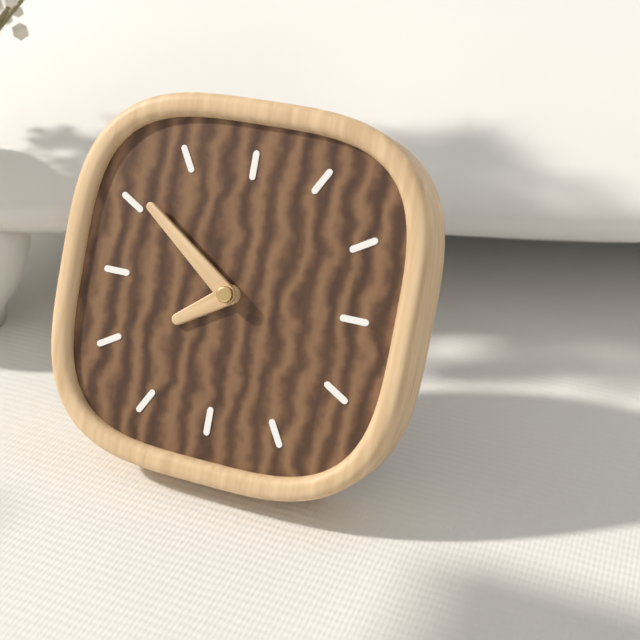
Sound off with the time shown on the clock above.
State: 7:51
